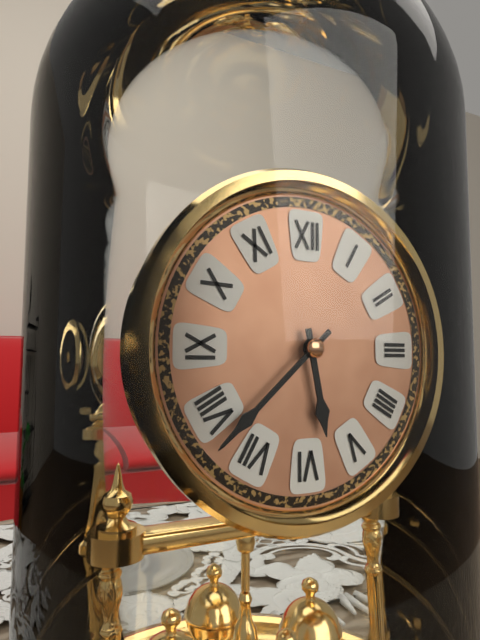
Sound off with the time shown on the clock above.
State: 5:38
